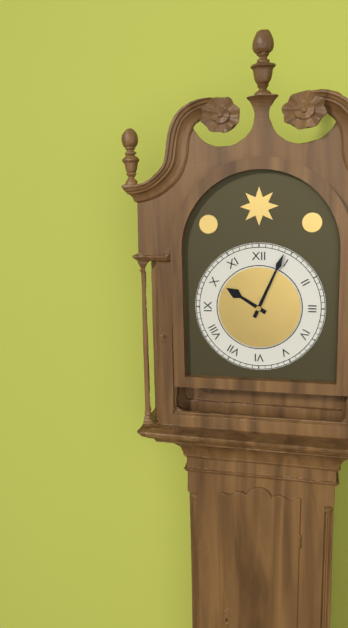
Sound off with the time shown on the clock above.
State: 10:04
